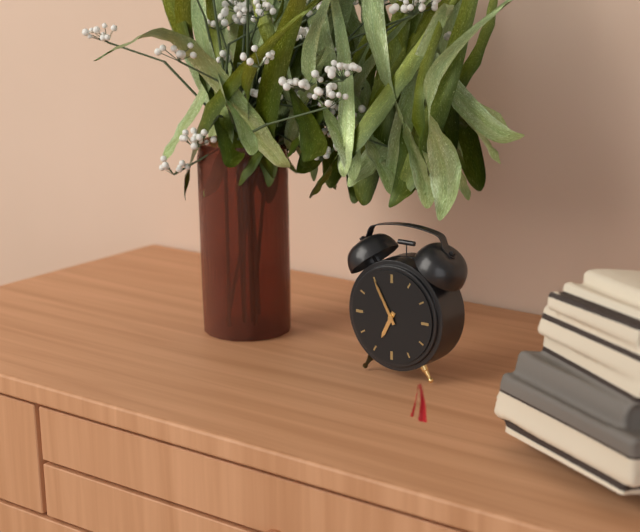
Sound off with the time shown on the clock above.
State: 6:55
